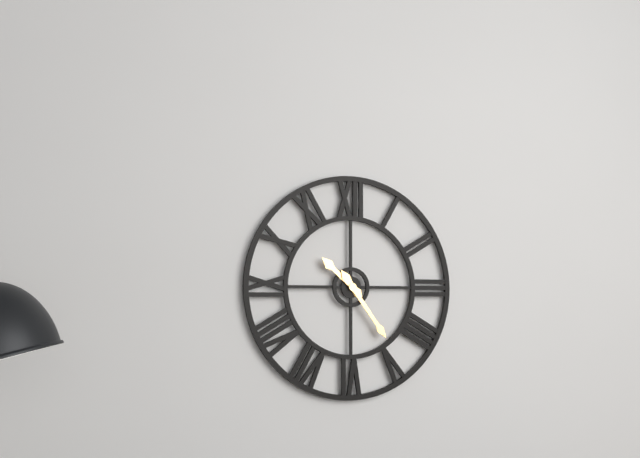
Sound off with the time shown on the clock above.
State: 10:24
